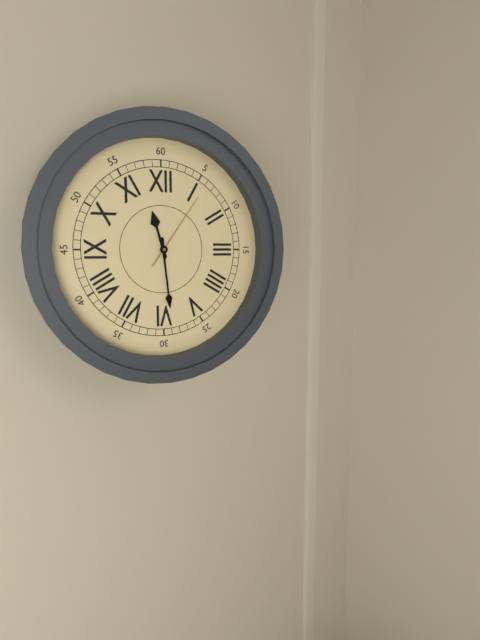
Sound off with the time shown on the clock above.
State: 11:29:06
